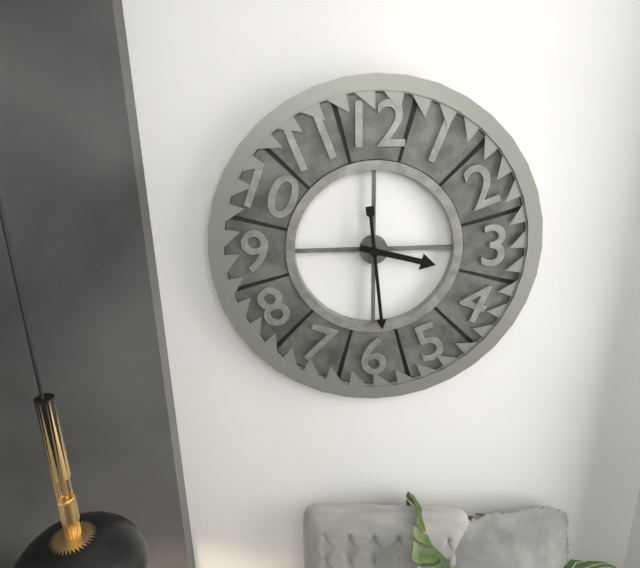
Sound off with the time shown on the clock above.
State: 3:29
